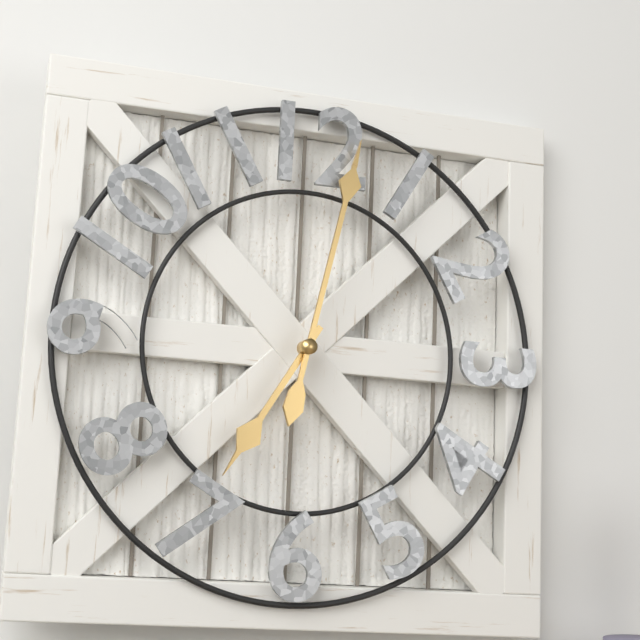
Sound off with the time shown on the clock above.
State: 7:02
